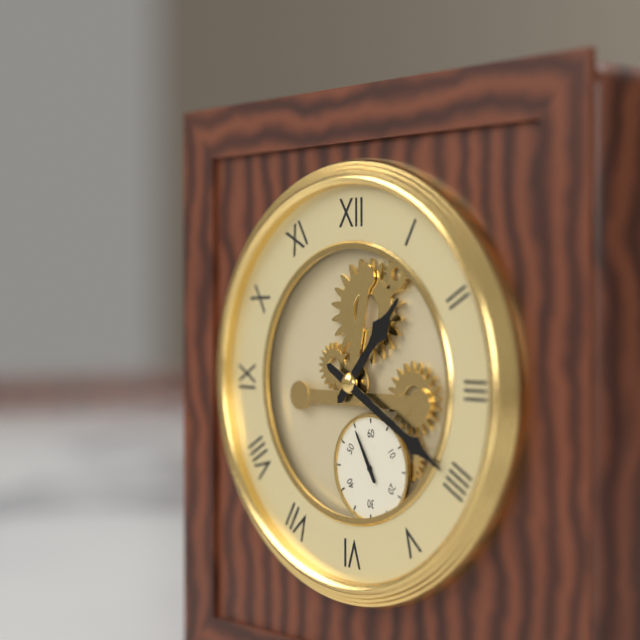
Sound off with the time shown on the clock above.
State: 1:20:55
